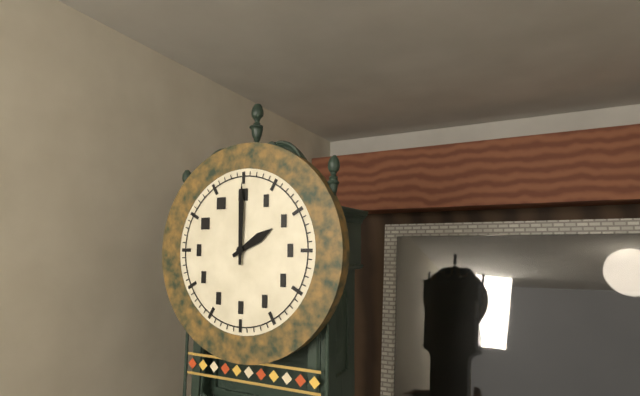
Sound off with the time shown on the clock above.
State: 2:00
